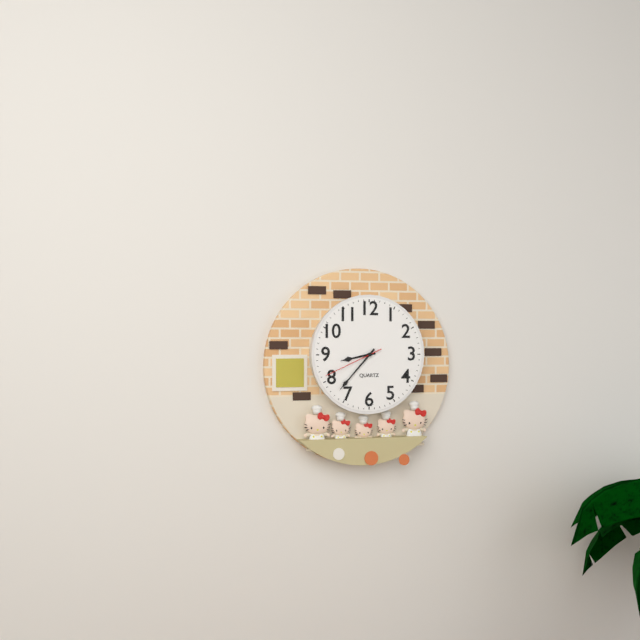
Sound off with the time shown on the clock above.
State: 8:37:41
